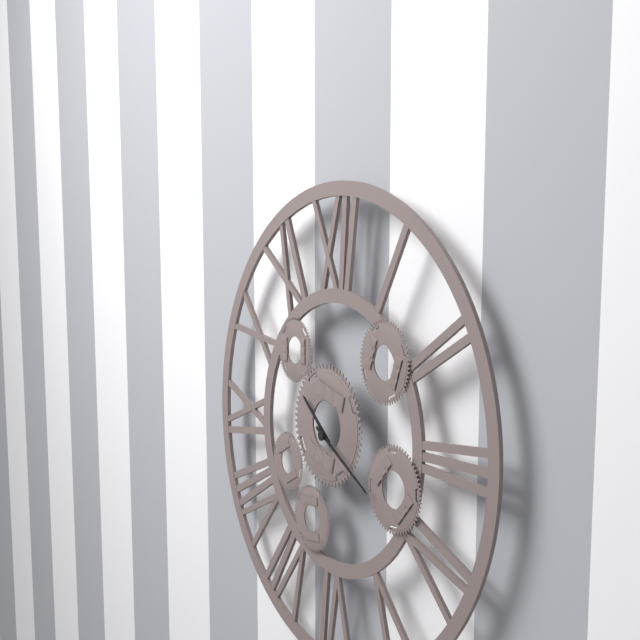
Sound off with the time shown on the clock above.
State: 10:20
